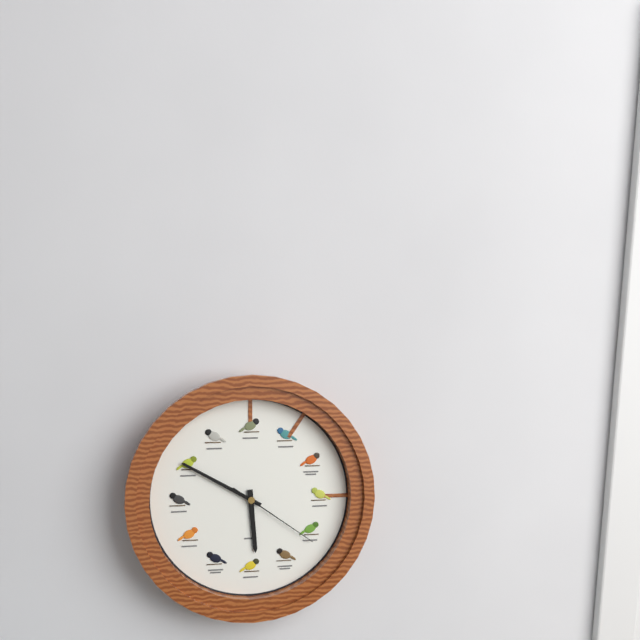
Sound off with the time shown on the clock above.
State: 5:50:21
